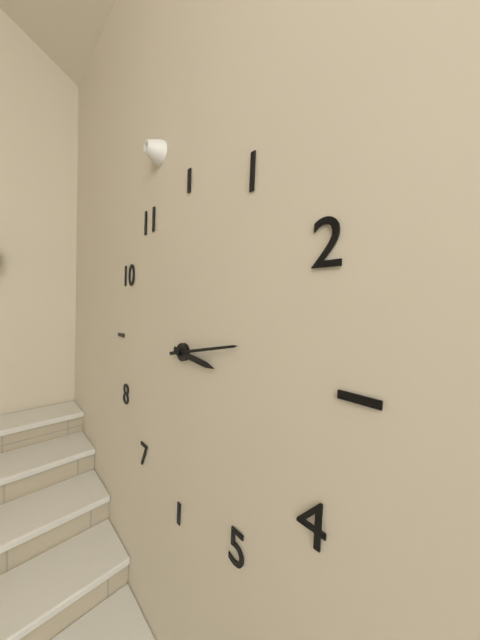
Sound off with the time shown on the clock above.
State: 3:13
